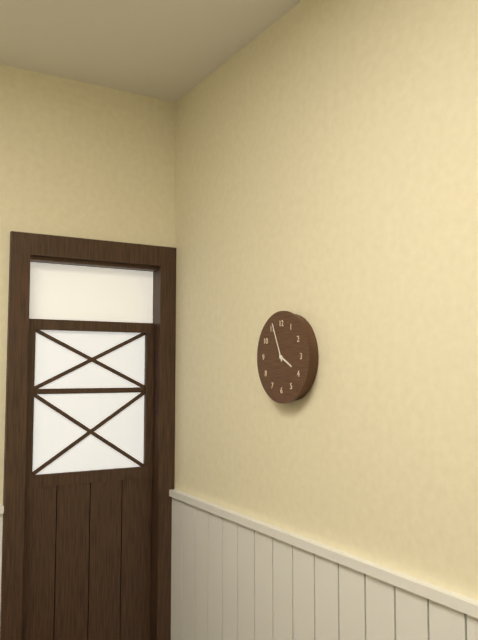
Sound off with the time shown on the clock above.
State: 3:56
